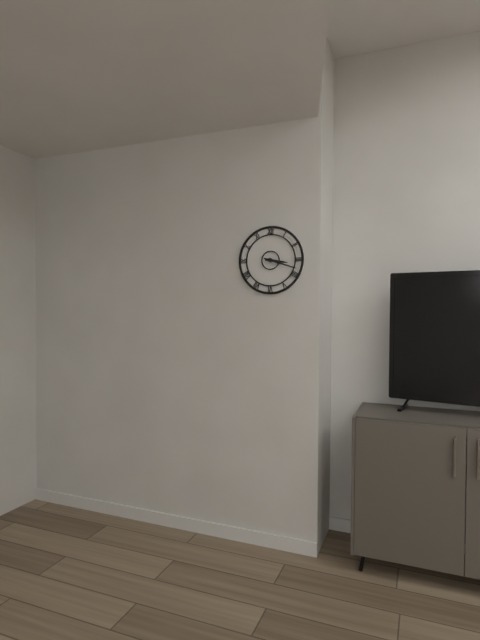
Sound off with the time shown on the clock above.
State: 3:18
